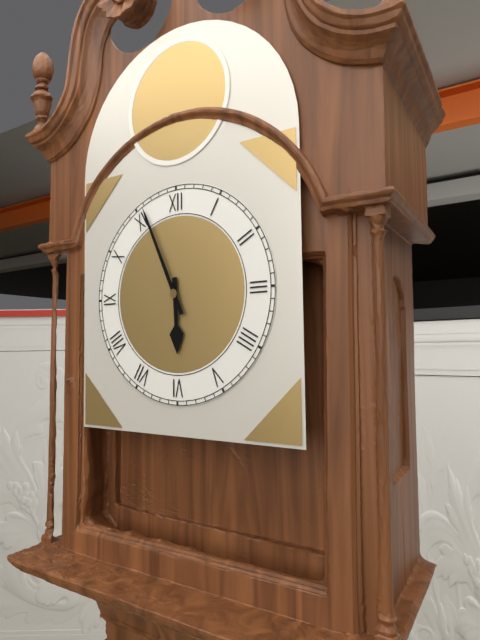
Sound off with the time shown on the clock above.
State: 5:56
